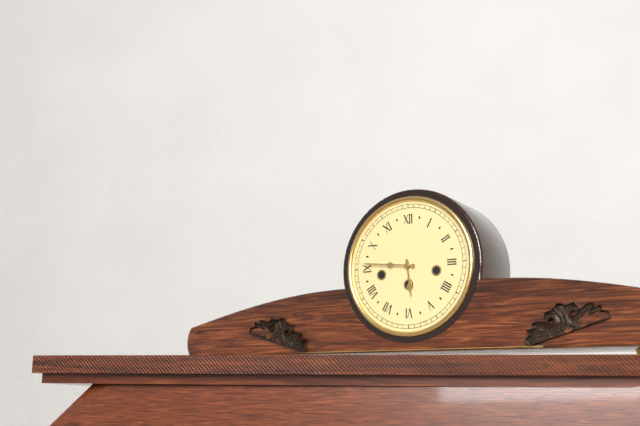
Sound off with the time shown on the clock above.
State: 5:46
